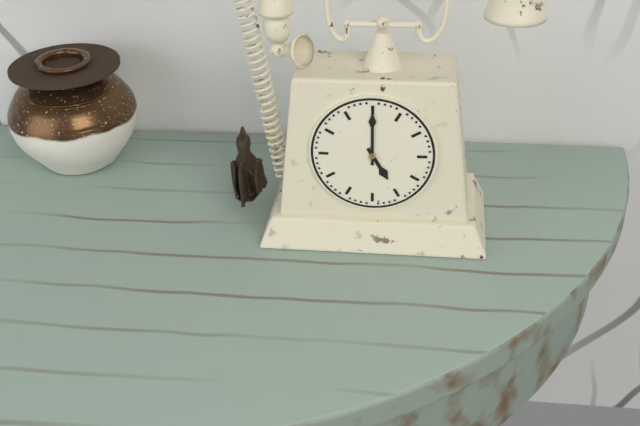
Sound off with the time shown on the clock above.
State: 5:00
